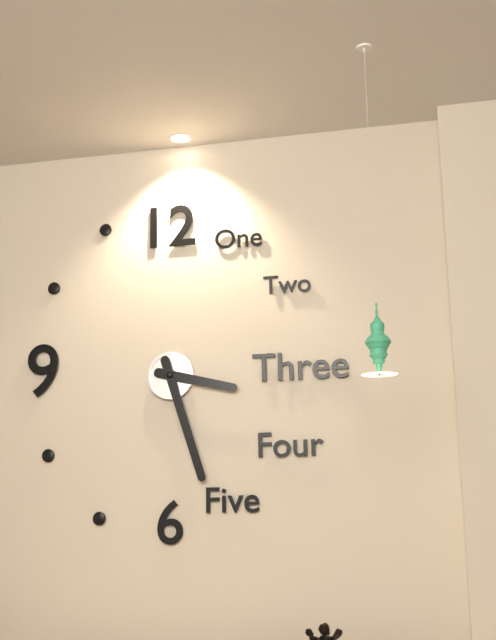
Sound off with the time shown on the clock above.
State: 3:27
